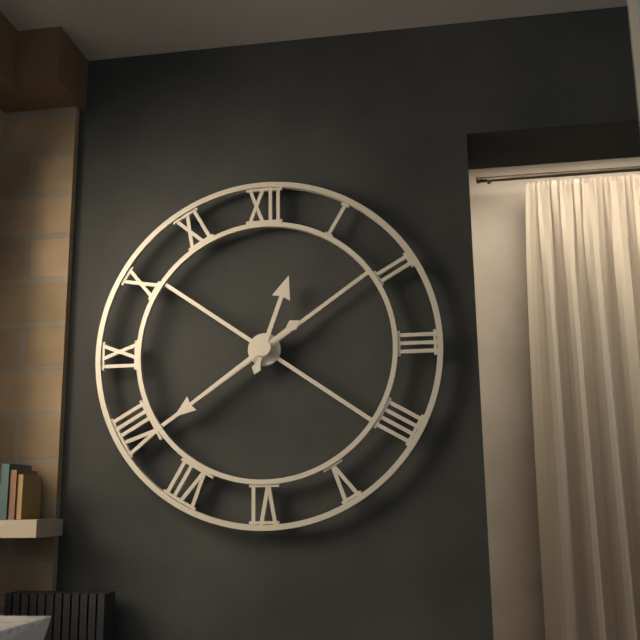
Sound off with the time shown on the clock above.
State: 12:39
